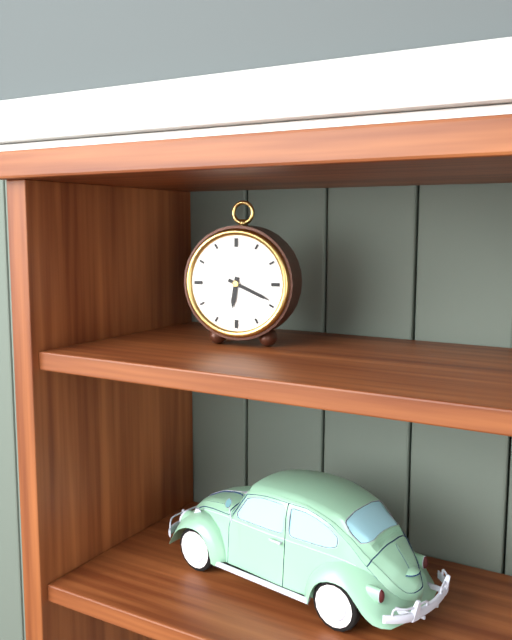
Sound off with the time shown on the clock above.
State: 6:19
